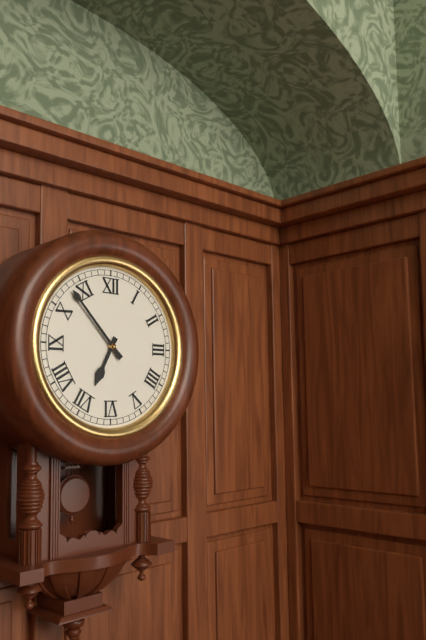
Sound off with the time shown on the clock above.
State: 6:53
